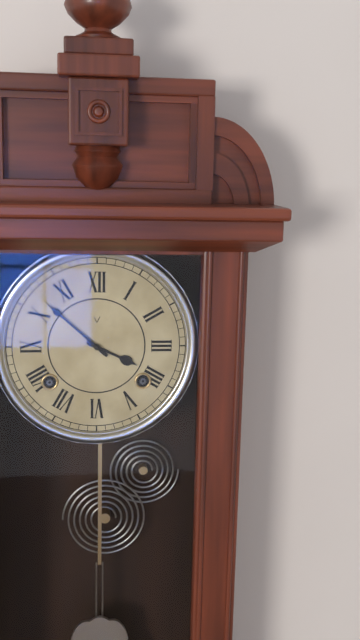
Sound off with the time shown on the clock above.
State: 3:52
